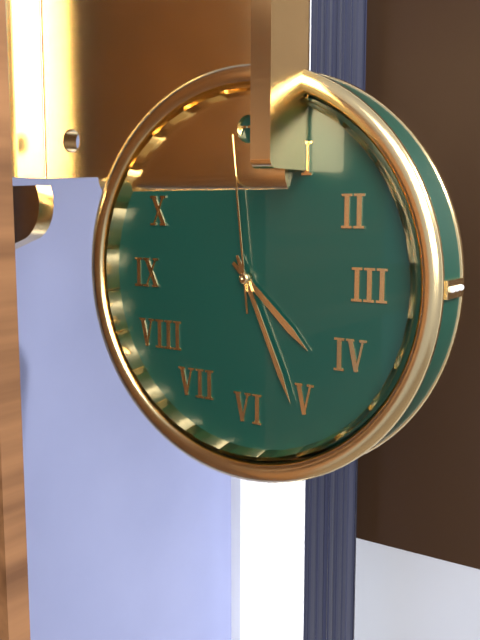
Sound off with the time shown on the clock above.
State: 4:26:59
